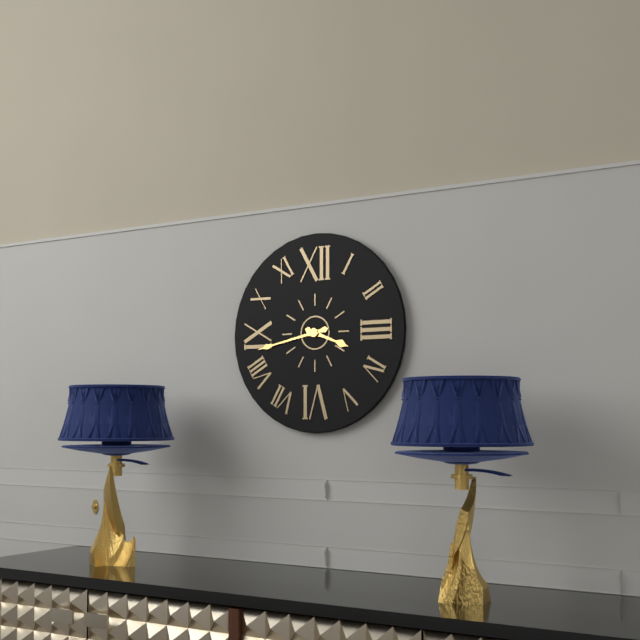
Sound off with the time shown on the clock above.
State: 3:43
